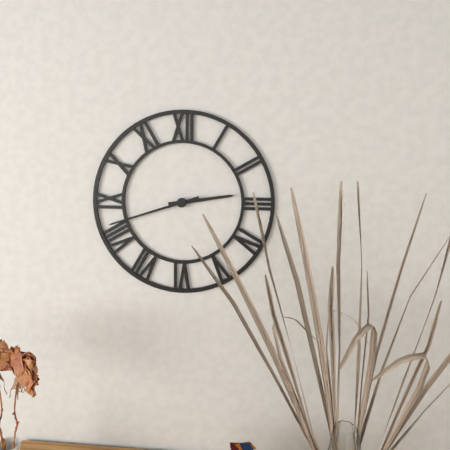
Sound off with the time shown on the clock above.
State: 2:42
